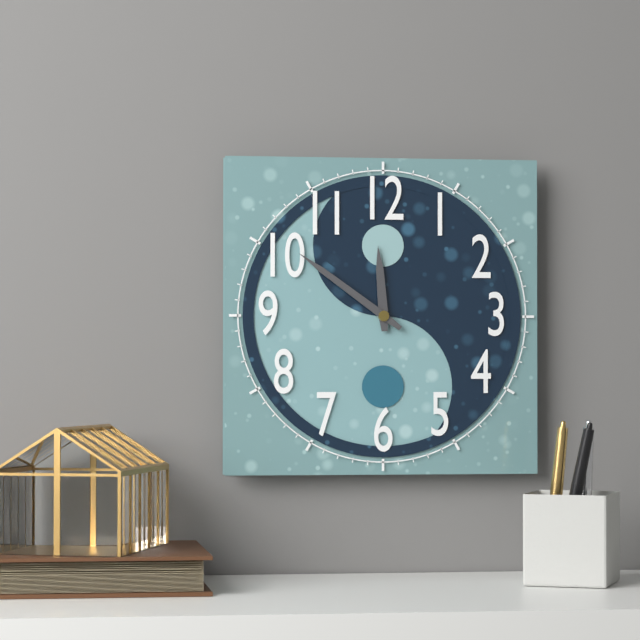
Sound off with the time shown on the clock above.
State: 11:51
